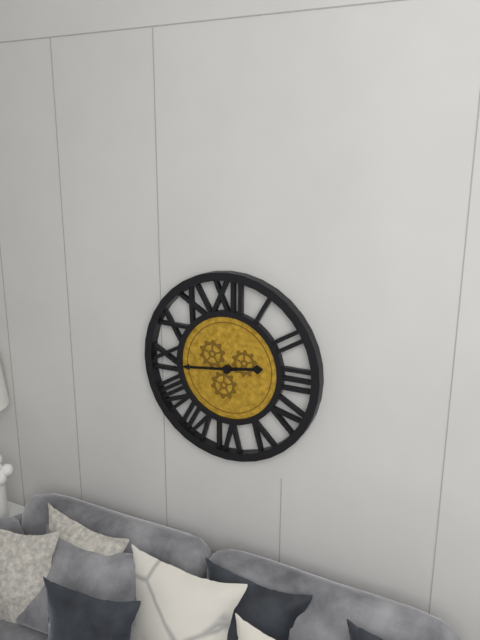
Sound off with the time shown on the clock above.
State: 2:44
